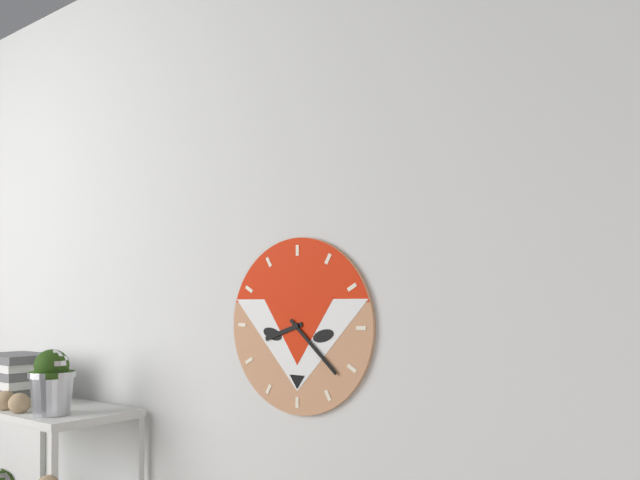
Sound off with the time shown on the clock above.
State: 8:22
